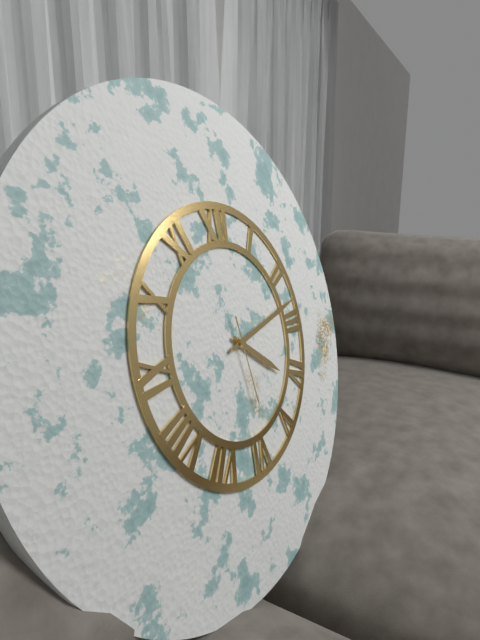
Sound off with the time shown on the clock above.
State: 4:13:29
